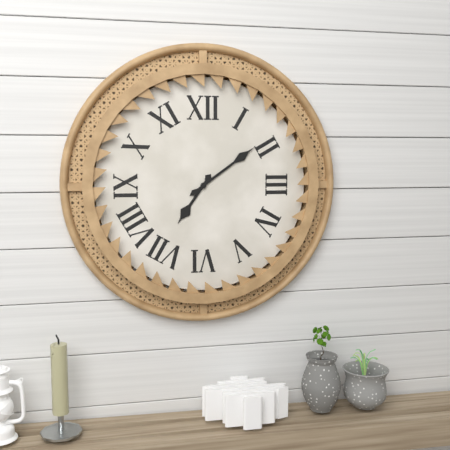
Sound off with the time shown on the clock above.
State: 7:09
